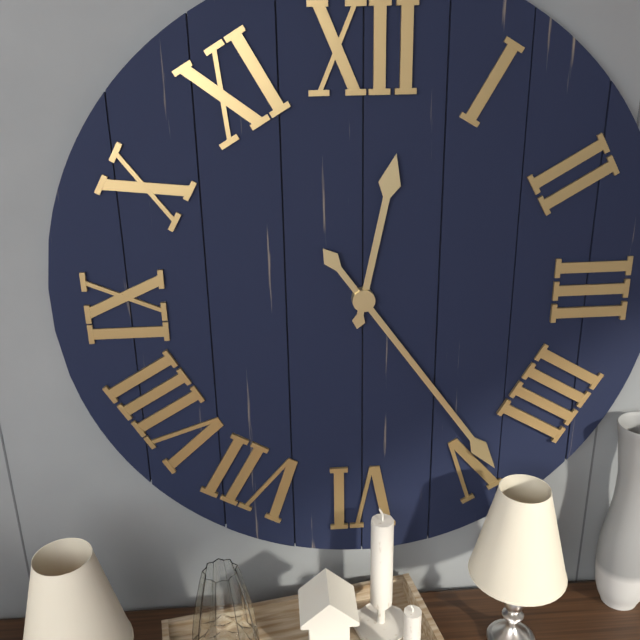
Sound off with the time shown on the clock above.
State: 12:24
